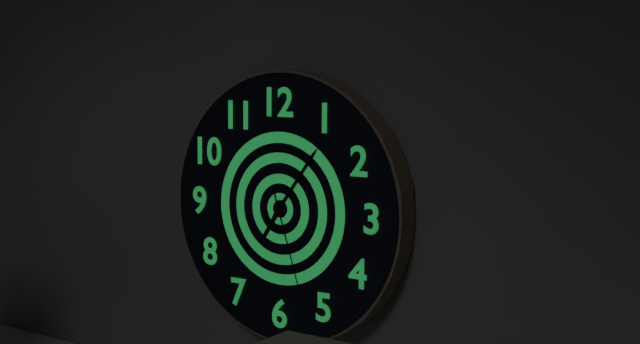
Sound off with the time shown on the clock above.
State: 7:06:27
